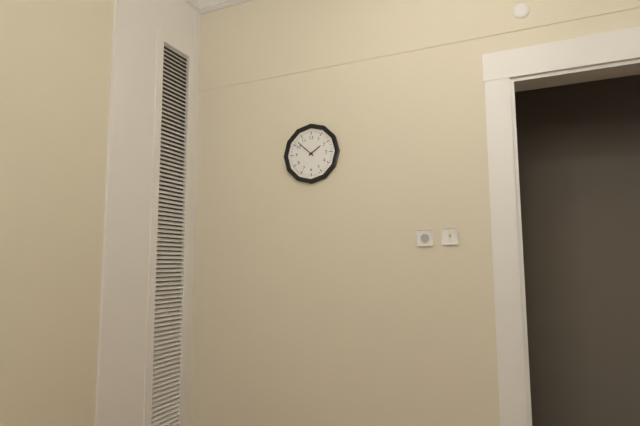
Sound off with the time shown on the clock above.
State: 1:52
